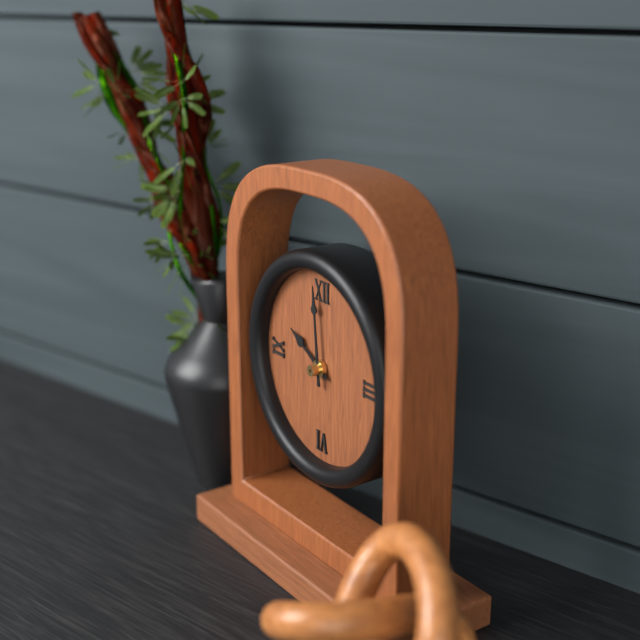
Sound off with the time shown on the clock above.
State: 9:59
